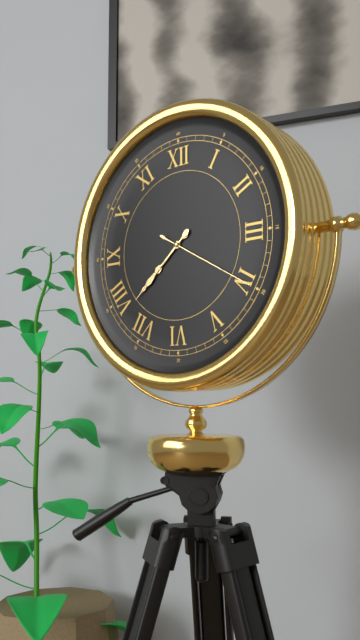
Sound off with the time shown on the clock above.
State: 7:38:20
